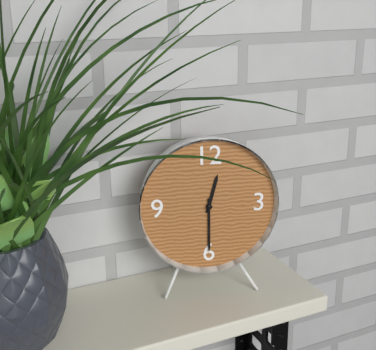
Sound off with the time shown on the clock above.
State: 12:30
